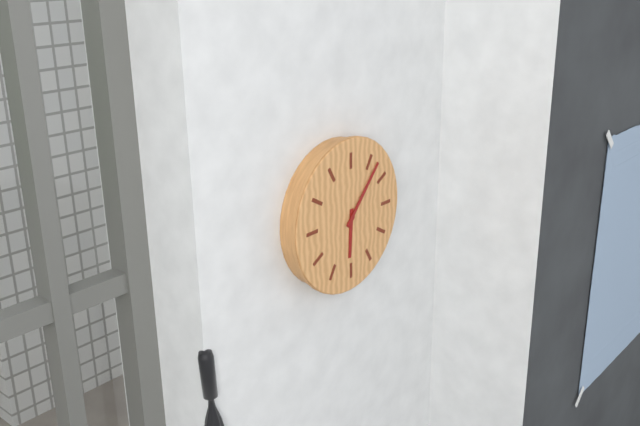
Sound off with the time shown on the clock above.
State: 6:07
